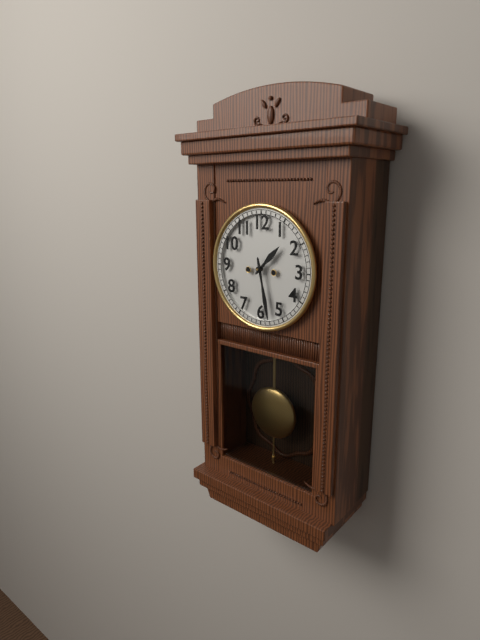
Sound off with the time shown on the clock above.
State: 1:28
